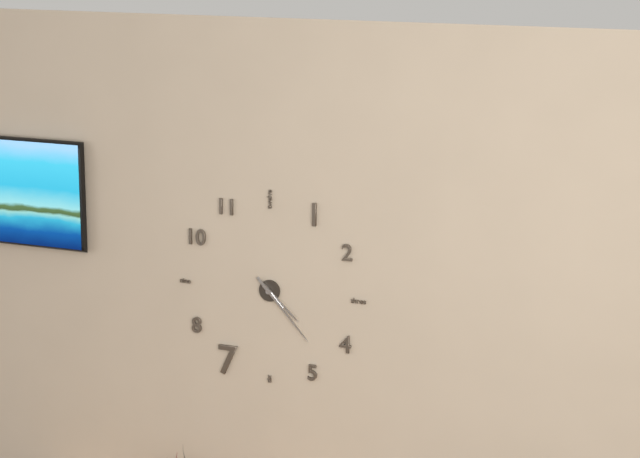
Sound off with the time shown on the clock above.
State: 4:23
